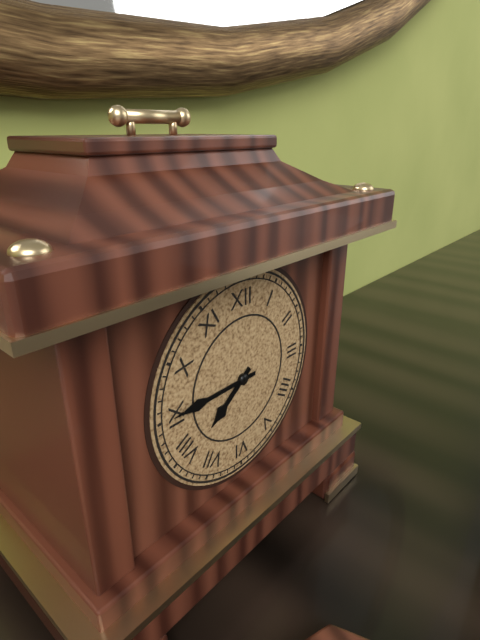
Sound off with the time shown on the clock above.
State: 7:45
